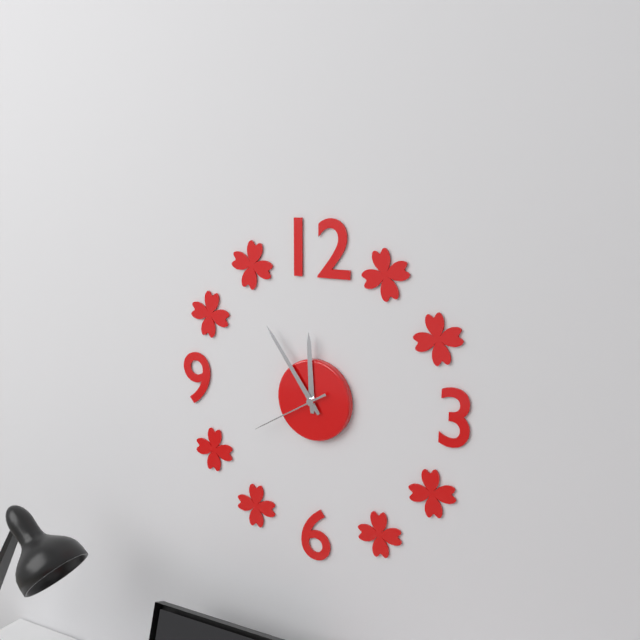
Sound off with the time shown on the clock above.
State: 11:54:40
